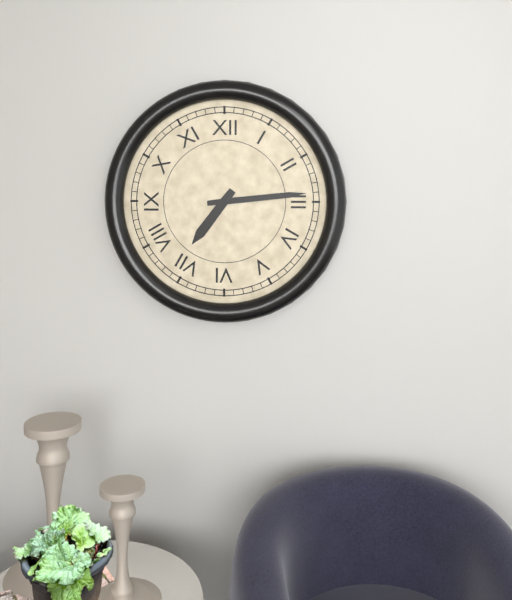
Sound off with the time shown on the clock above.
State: 7:14
